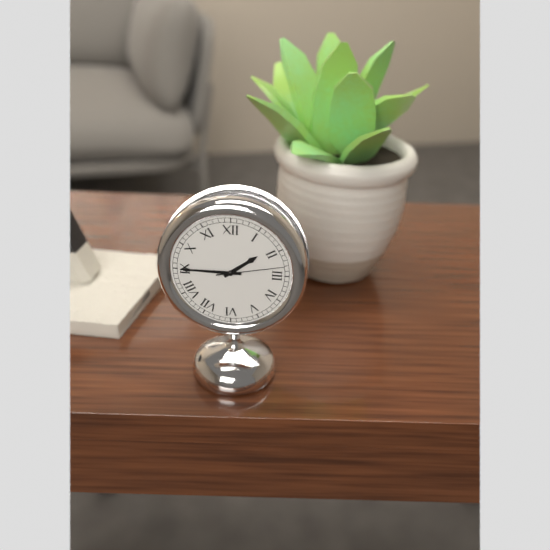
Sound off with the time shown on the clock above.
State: 1:45:13
